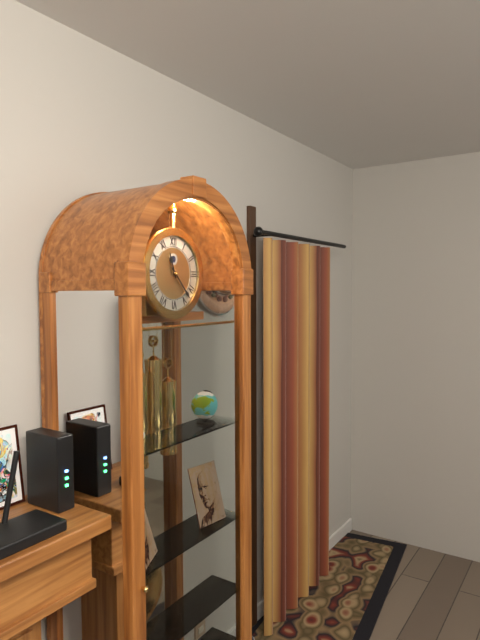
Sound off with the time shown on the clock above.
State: 11:23
